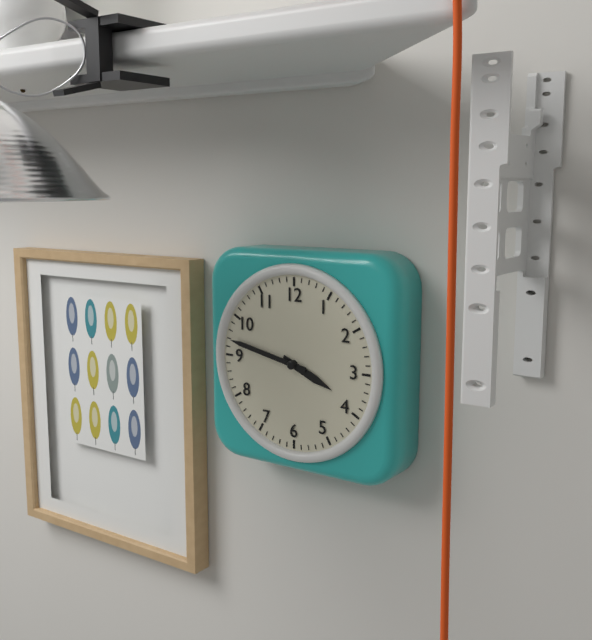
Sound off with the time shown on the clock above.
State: 3:47
